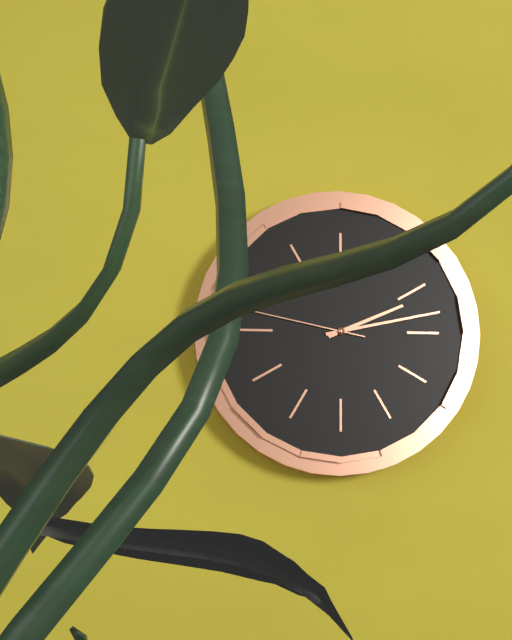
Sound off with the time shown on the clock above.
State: 2:13:47
